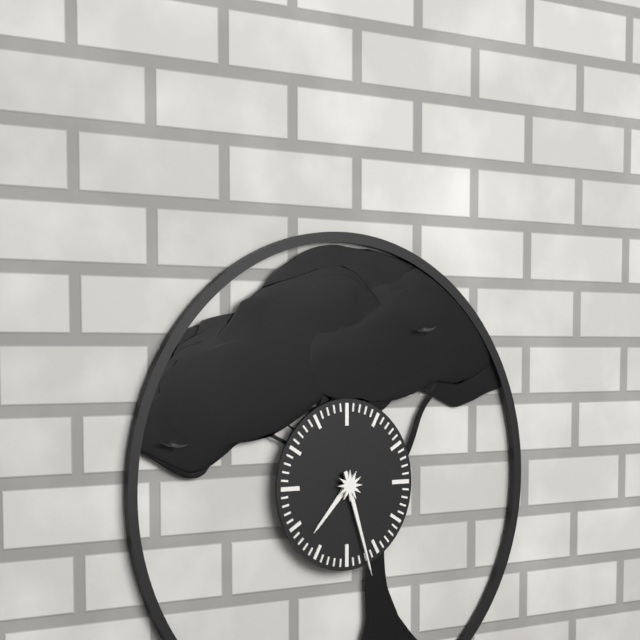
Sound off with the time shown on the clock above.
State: 7:27
